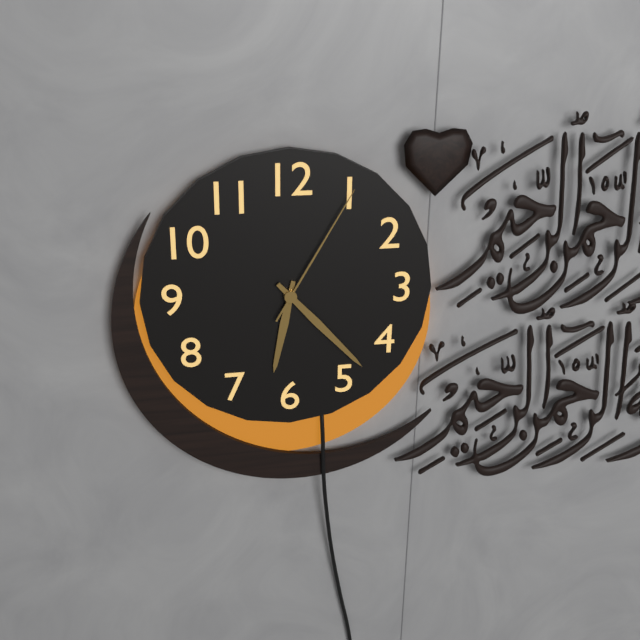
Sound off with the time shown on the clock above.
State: 6:23:05
